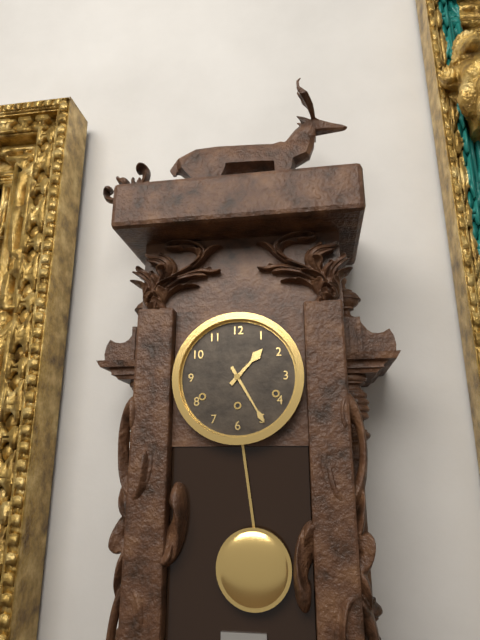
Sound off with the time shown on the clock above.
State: 1:25
